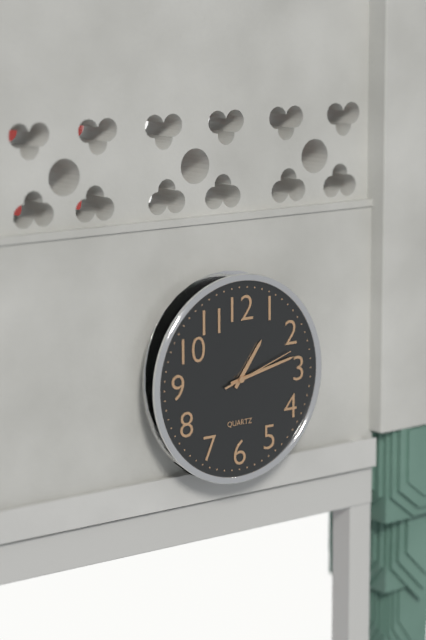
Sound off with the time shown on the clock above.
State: 1:13:12
